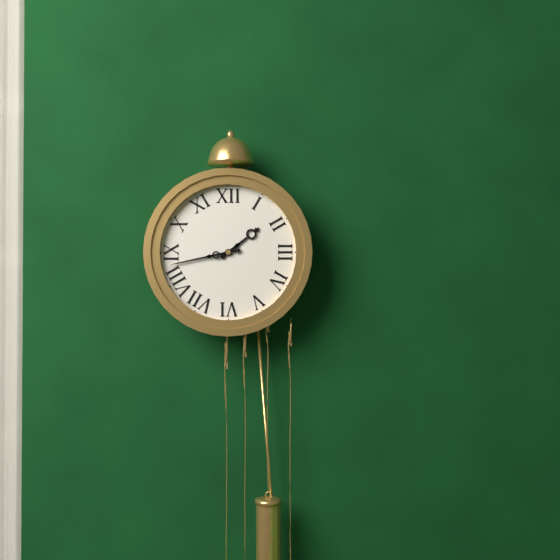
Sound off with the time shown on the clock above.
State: 1:43
